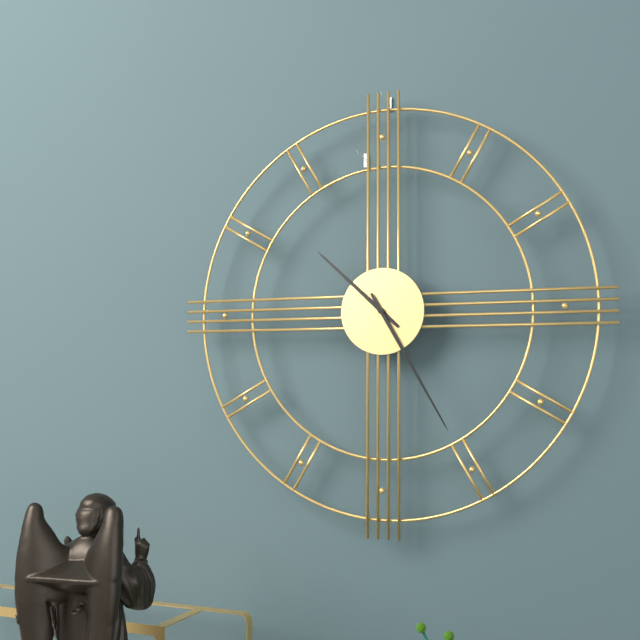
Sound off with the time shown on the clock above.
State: 10:25
